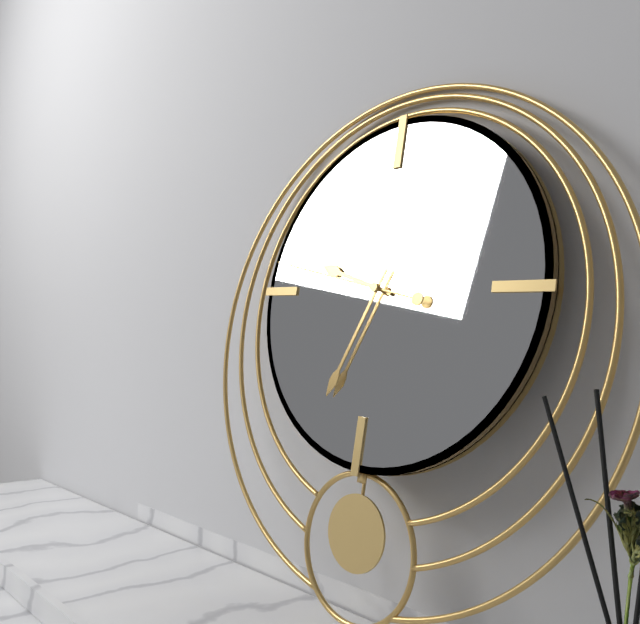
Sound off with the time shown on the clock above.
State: 9:34:47
